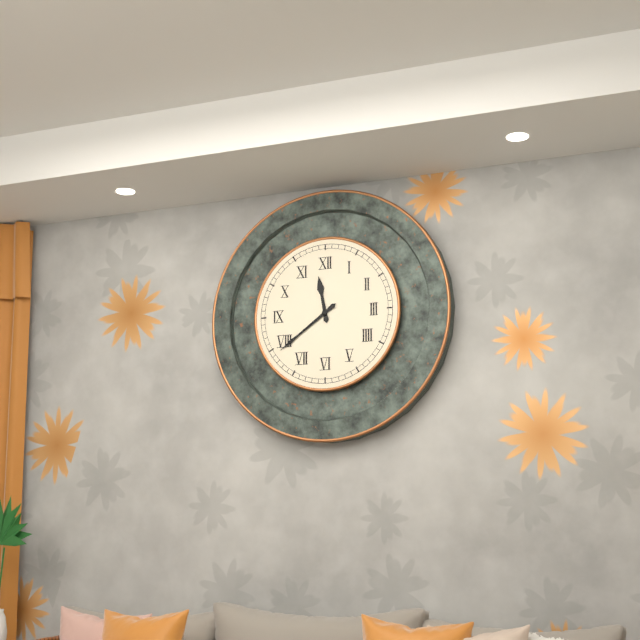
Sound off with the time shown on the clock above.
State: 11:39
